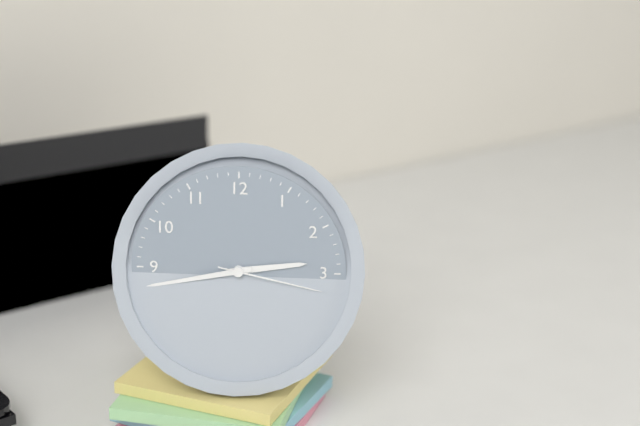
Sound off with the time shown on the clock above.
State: 2:43:17
